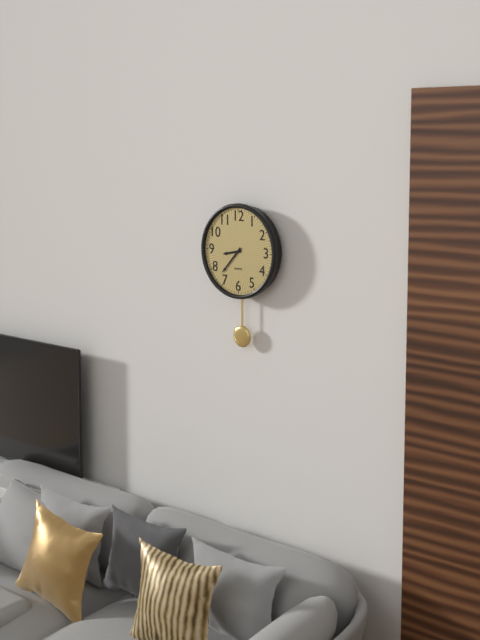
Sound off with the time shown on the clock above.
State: 8:37
